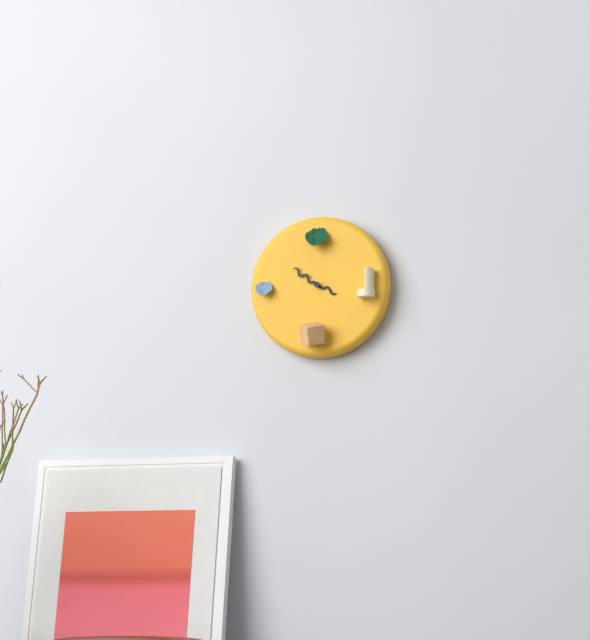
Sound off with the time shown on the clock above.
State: 3:51
